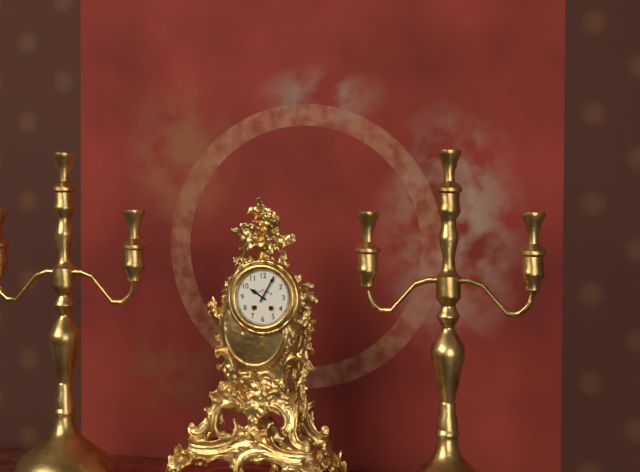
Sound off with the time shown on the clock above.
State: 10:05
